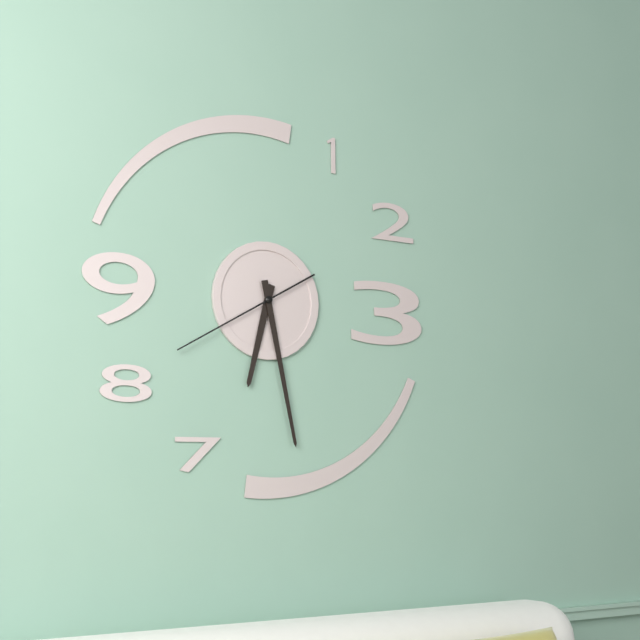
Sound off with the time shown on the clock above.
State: 6:28:40
